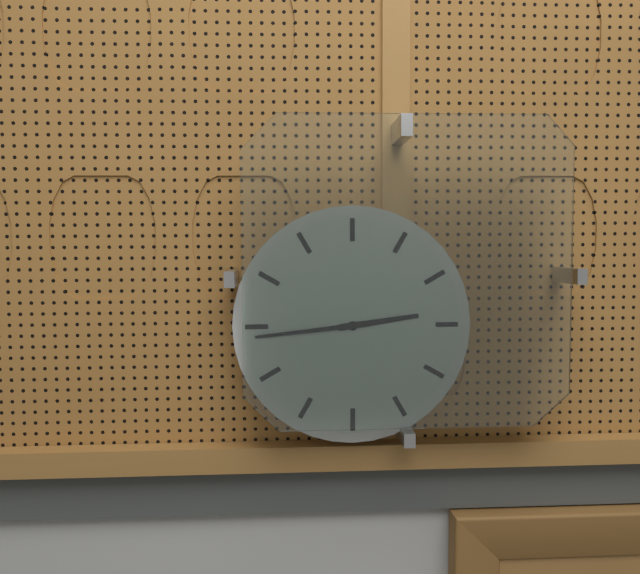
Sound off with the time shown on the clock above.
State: 2:44
